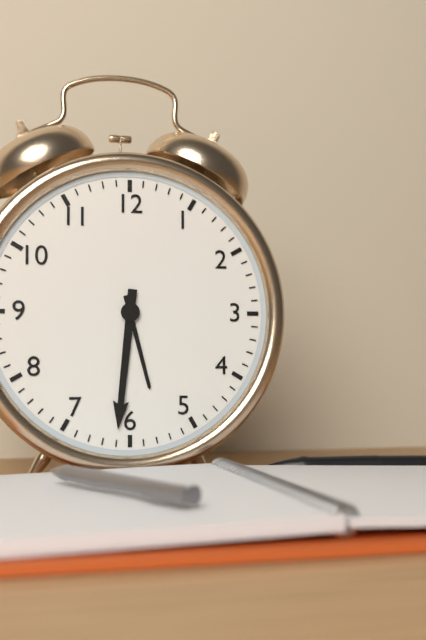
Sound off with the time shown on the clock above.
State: 5:31
